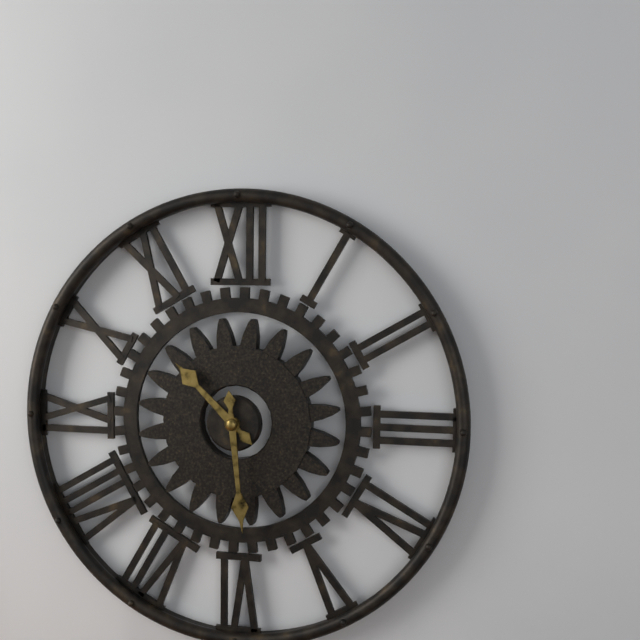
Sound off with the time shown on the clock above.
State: 10:29
